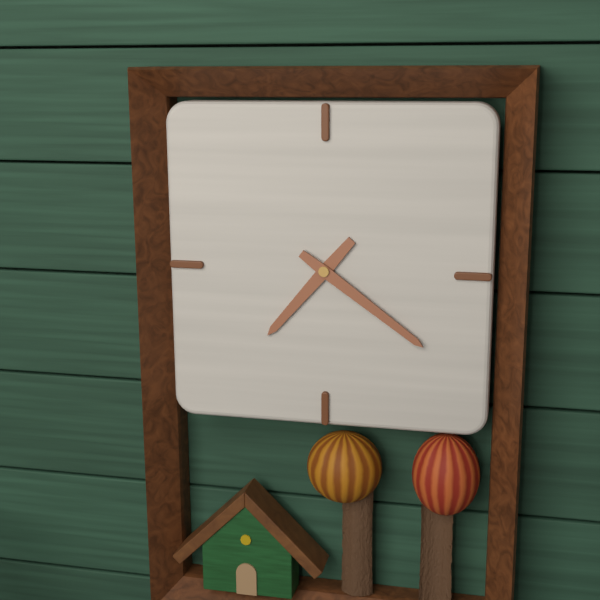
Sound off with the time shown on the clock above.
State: 7:21
